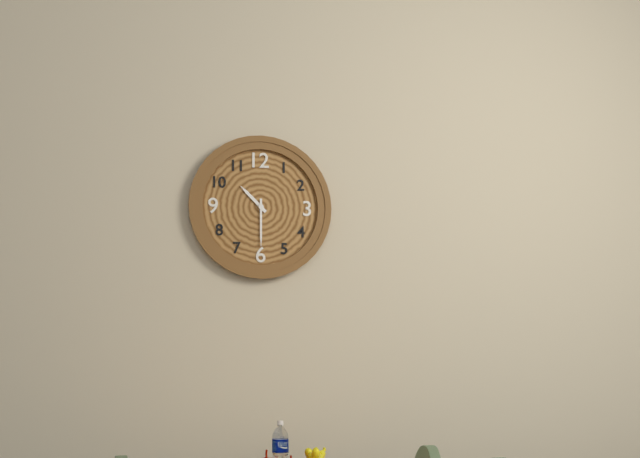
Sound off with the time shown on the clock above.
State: 10:30
